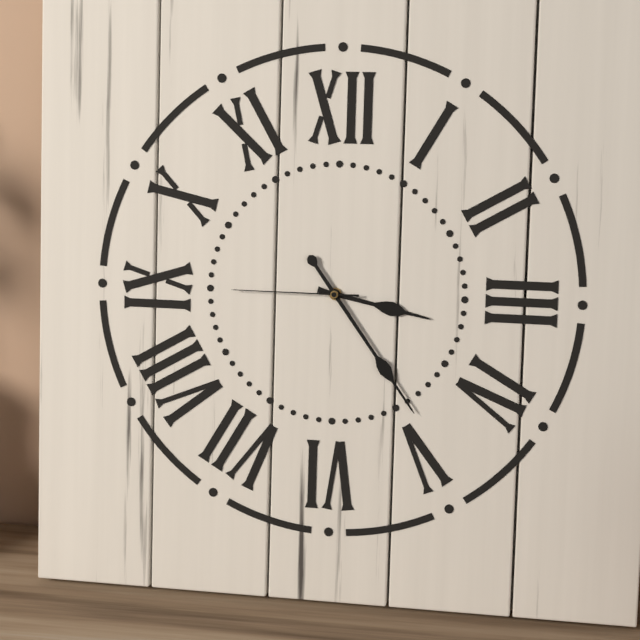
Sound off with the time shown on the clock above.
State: 3:24:45
